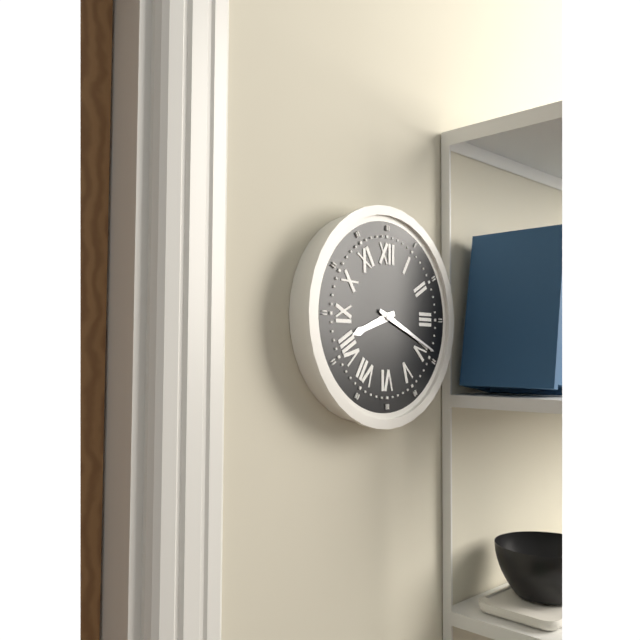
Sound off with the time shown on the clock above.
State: 8:19
